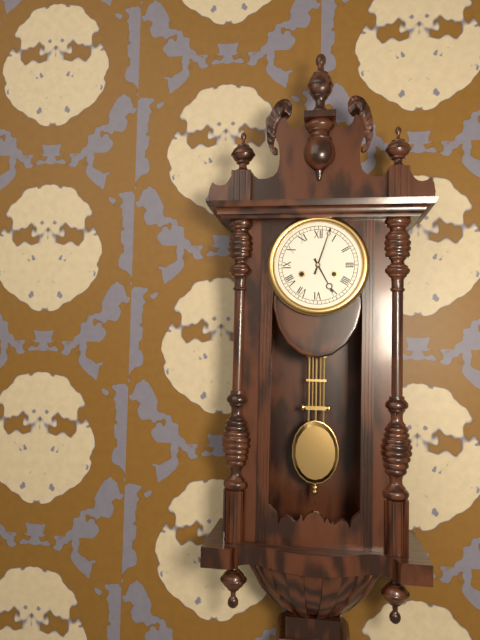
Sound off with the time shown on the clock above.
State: 5:03
